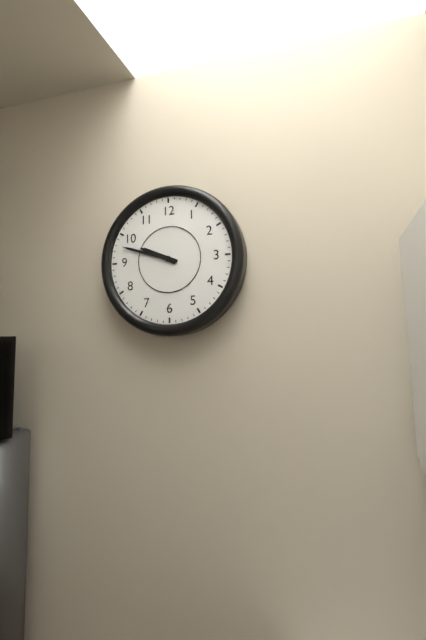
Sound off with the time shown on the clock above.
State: 9:48
